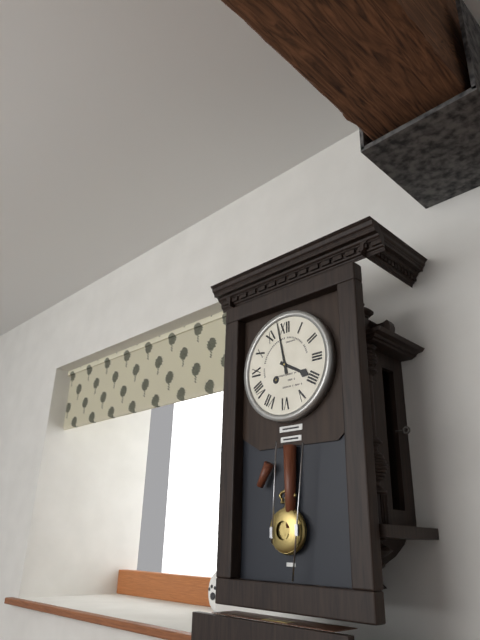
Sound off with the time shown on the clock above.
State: 3:58
